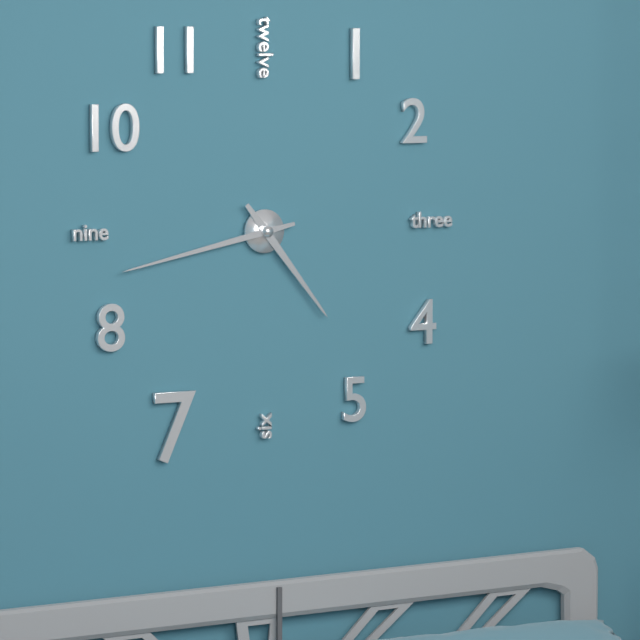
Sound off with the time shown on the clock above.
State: 4:43
